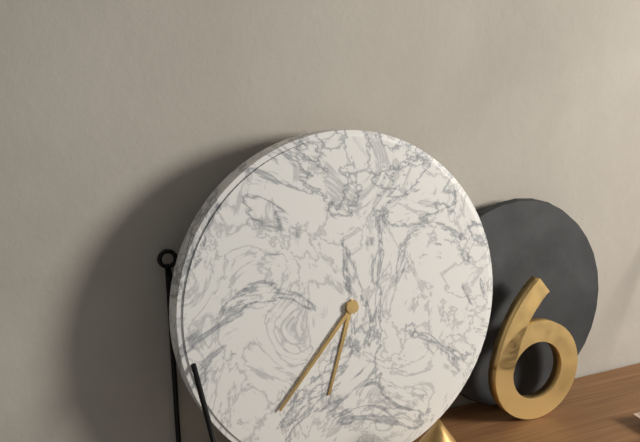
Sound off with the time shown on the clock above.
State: 6:37
